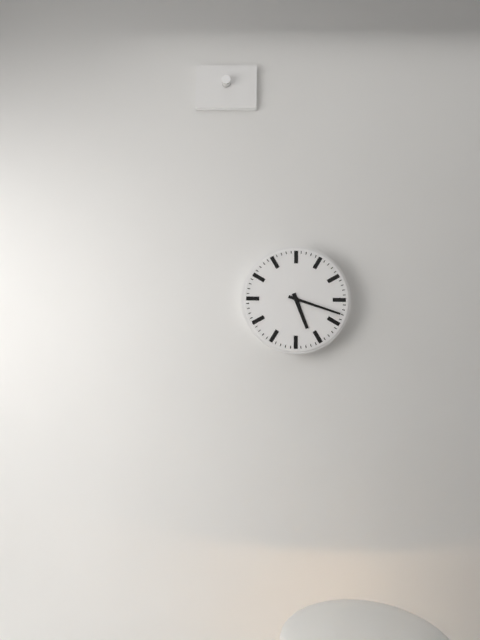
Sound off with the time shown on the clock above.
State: 5:18
